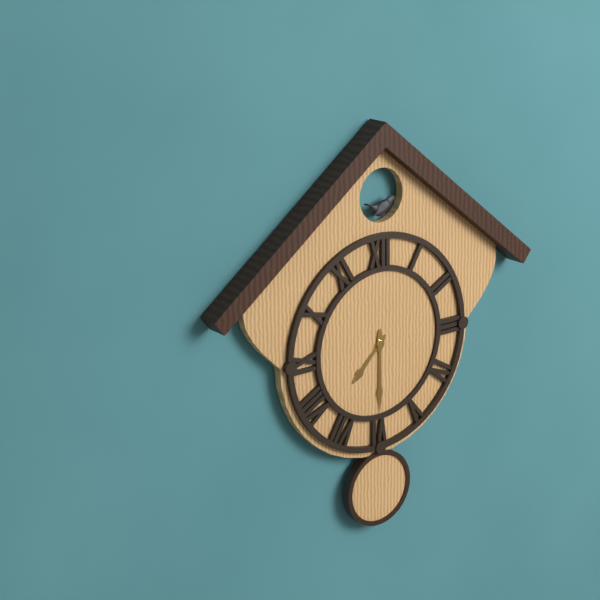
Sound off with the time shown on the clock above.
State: 7:30
